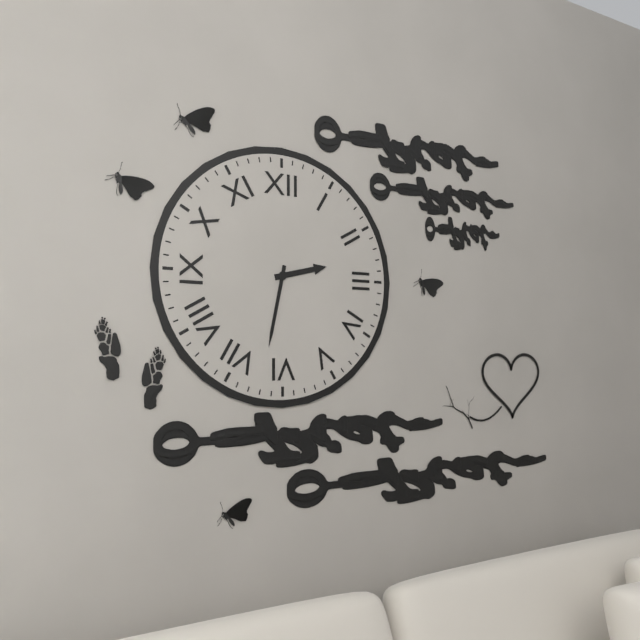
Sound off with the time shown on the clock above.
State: 2:32
